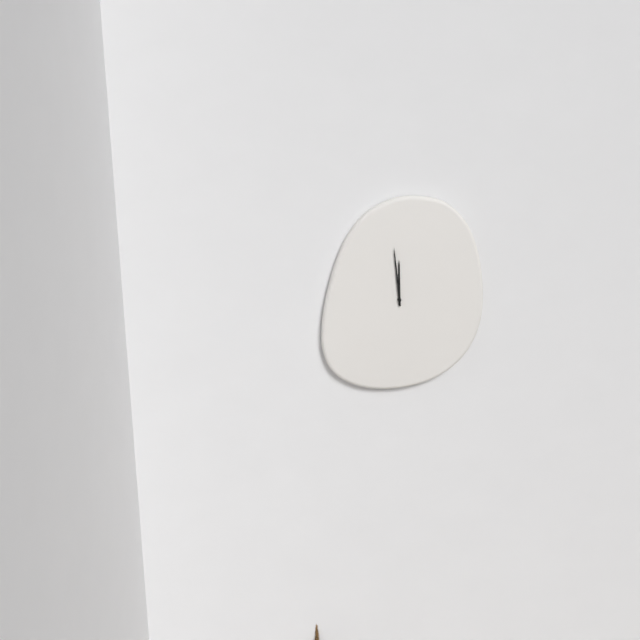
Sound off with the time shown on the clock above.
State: 11:59
